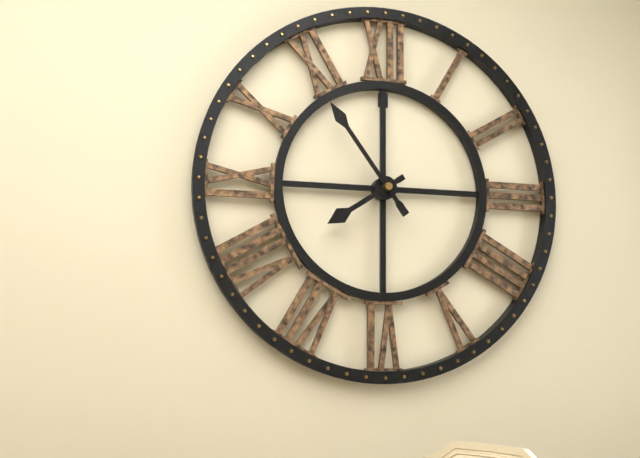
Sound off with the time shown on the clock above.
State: 7:54
